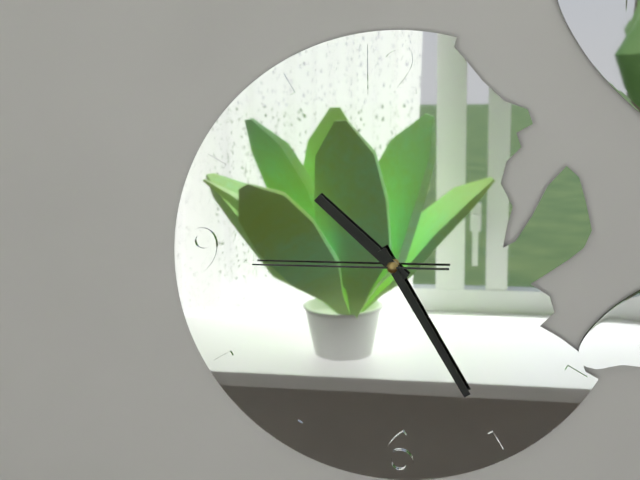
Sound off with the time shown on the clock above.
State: 10:25:45
